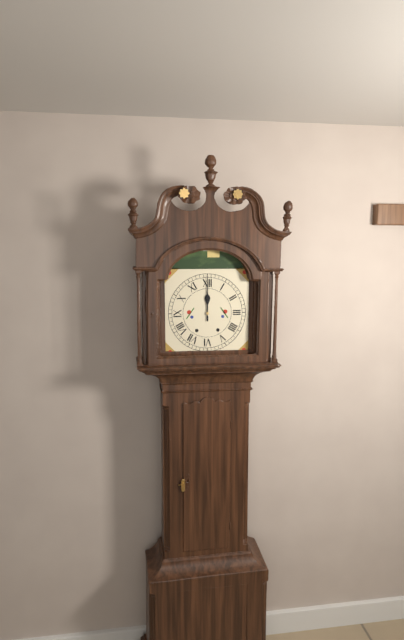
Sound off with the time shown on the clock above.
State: 12:00
